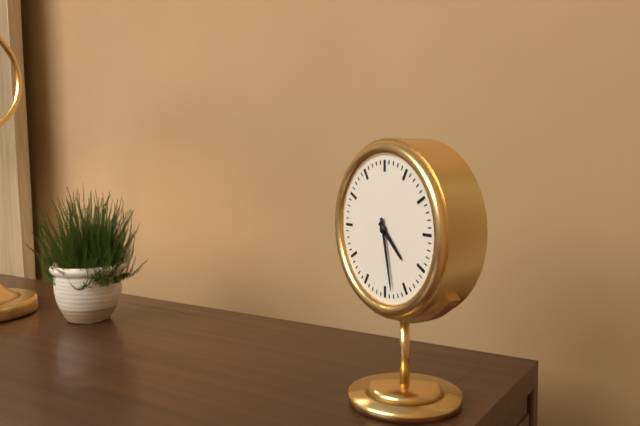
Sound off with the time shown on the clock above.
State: 4:28
